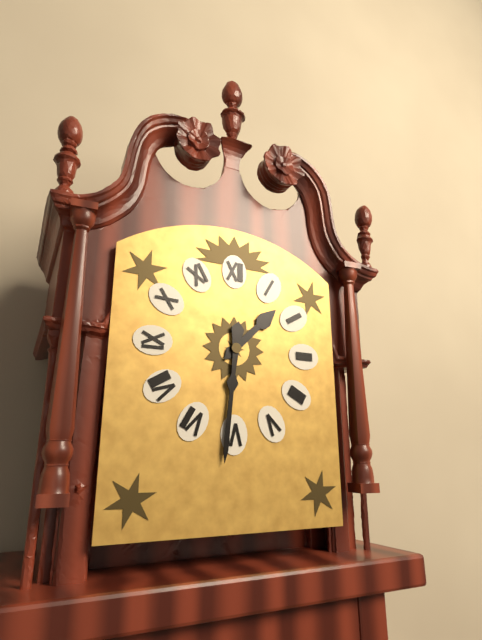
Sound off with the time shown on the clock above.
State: 1:31
